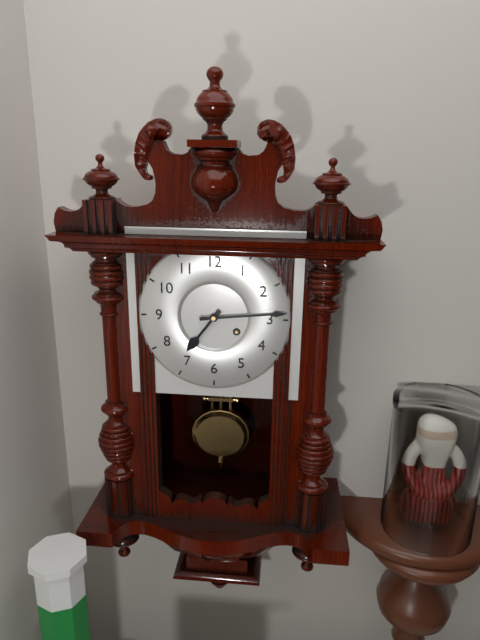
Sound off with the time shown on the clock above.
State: 7:14
